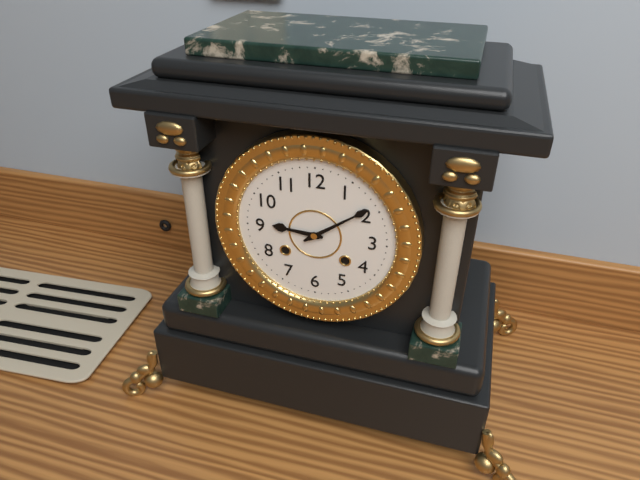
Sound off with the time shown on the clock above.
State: 9:09
